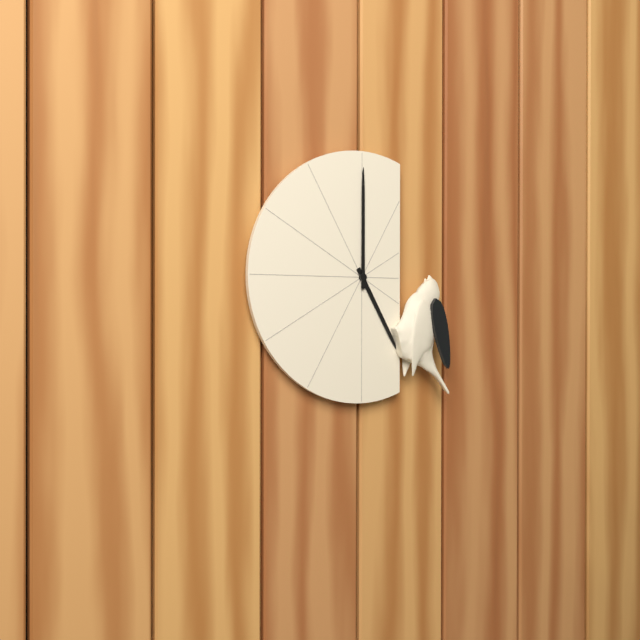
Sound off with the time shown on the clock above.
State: 5:00
